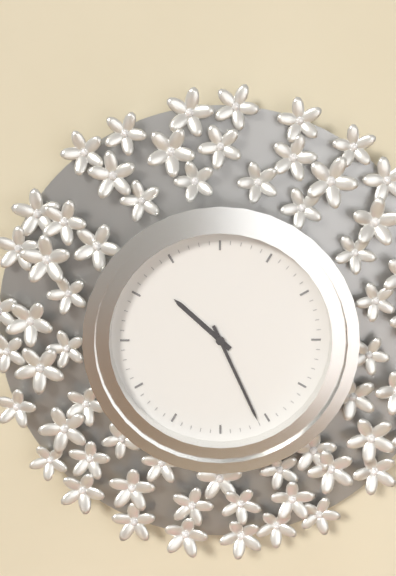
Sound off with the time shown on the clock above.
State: 10:26
